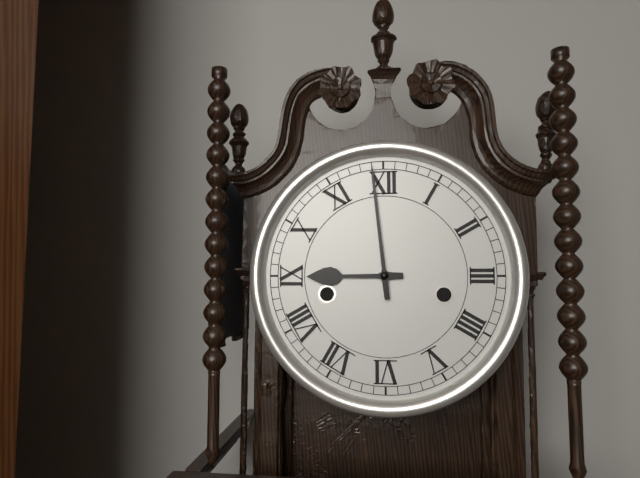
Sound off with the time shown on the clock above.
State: 8:59
